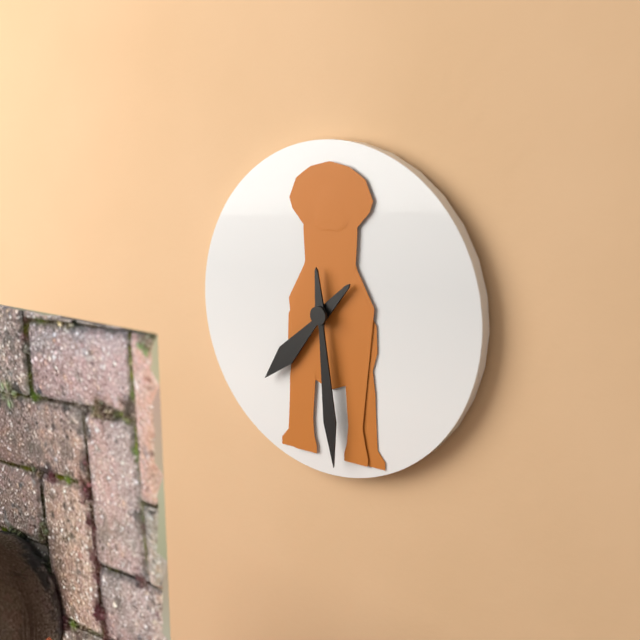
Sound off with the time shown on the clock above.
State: 7:29
